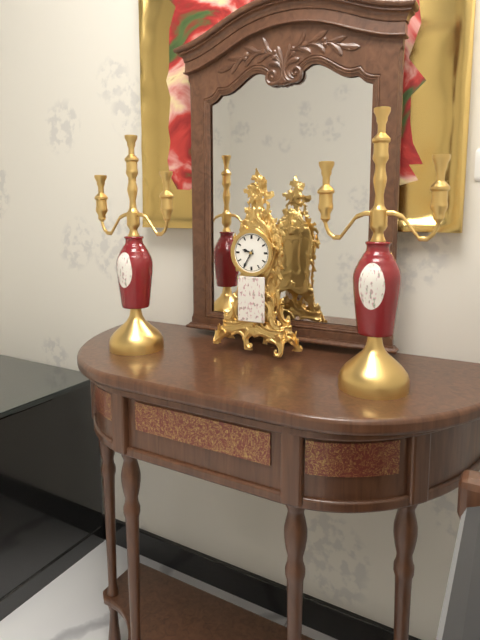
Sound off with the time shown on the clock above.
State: 9:35
